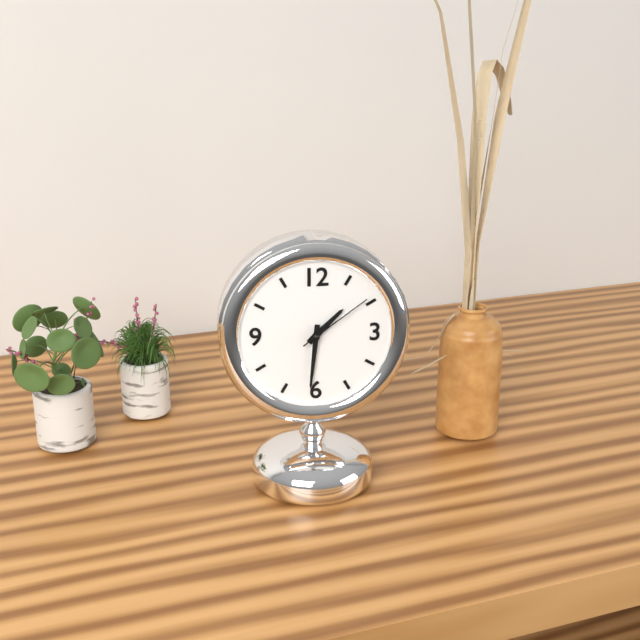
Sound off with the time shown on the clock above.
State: 1:31:09
